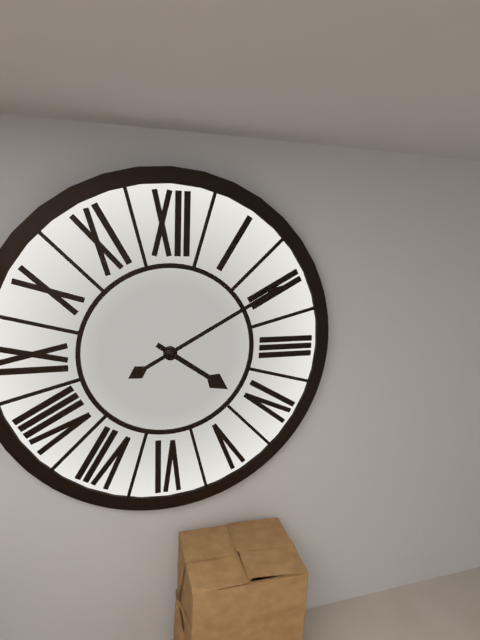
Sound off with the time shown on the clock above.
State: 4:10
